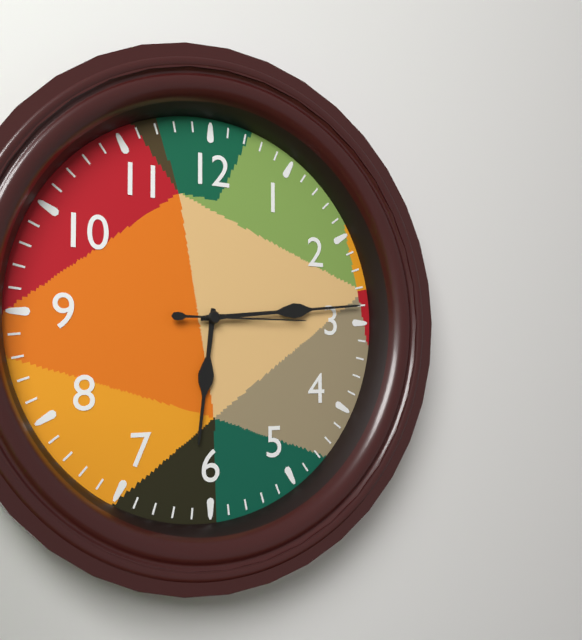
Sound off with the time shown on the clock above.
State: 6:14:15
